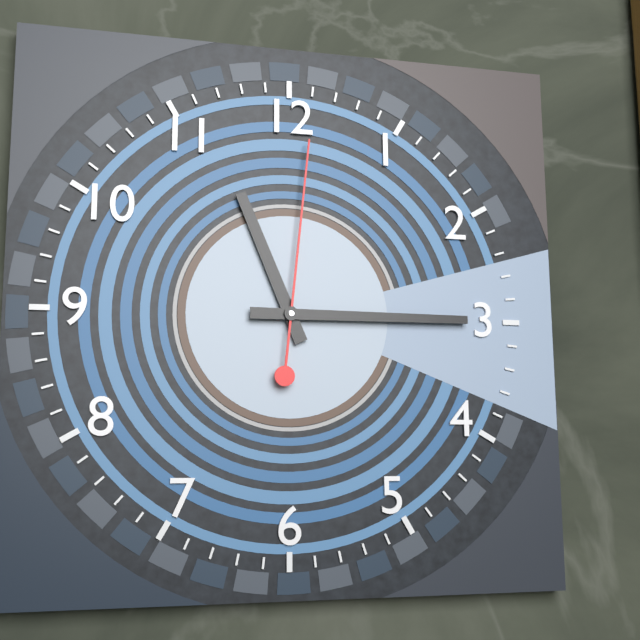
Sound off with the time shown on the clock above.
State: 11:15:01
